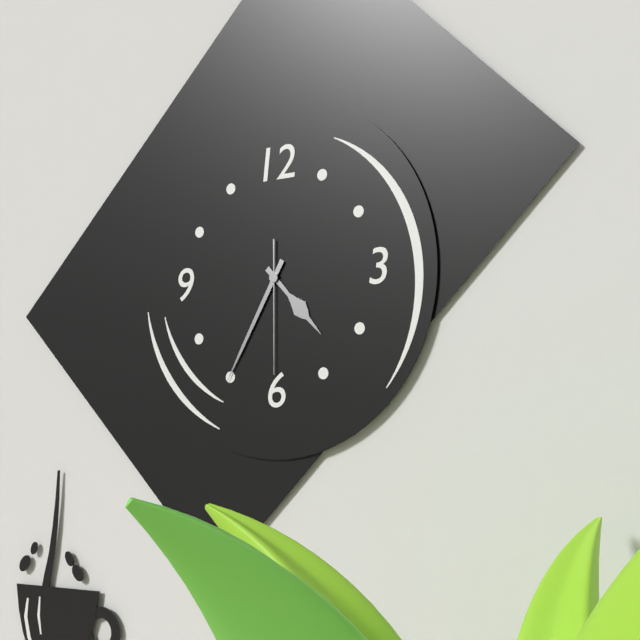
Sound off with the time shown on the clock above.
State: 4:35:30
